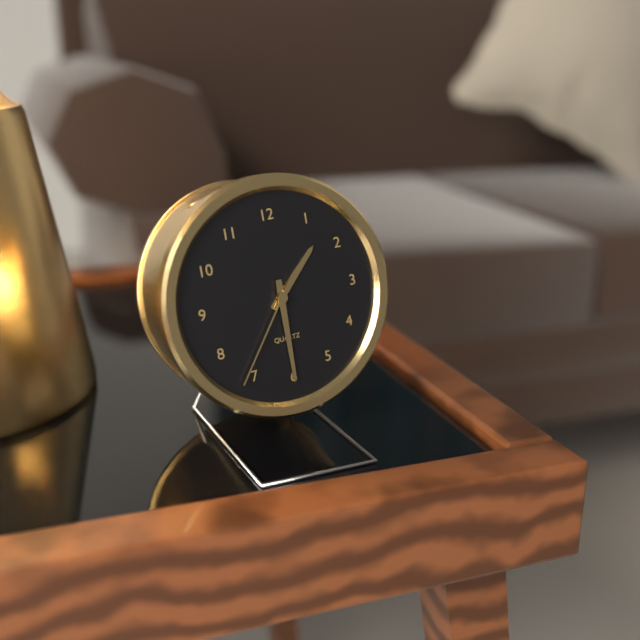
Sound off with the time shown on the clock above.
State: 1:30:36
